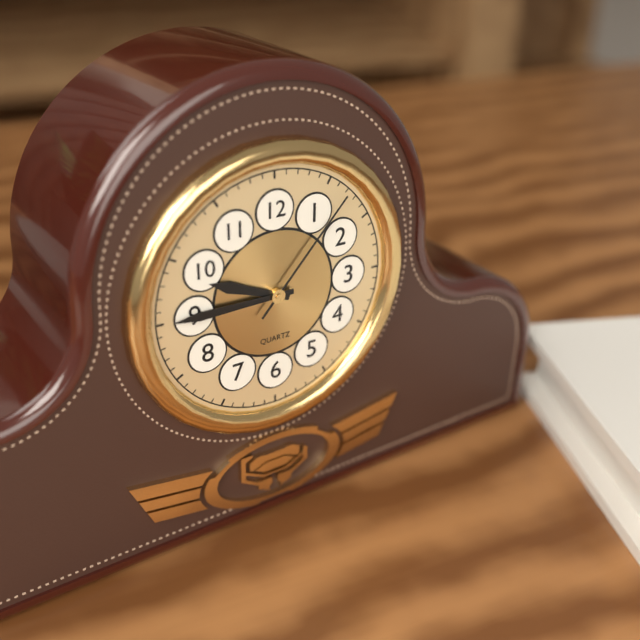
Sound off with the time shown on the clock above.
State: 9:45:07
